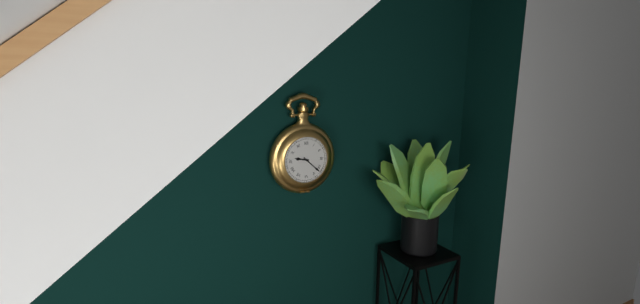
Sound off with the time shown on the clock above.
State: 9:22
